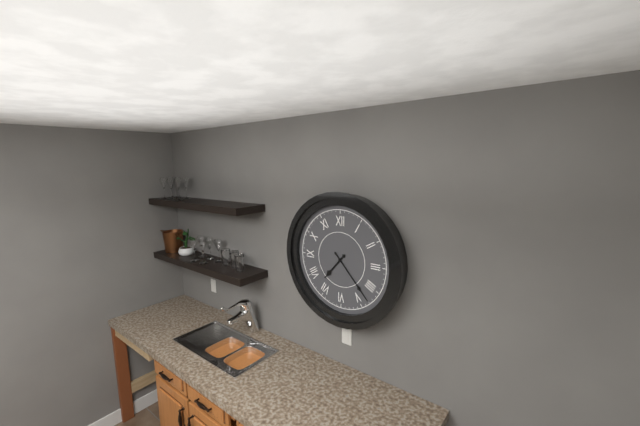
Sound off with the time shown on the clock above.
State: 7:23
